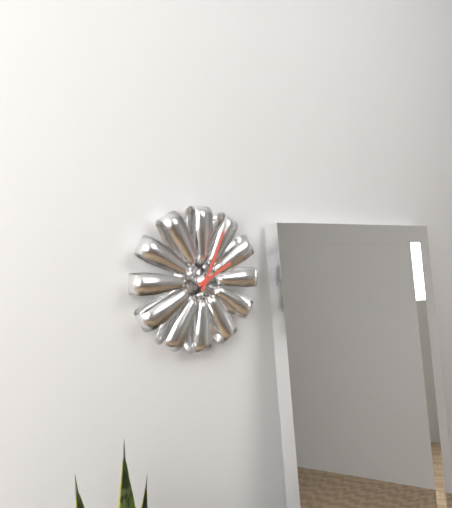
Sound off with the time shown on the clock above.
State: 2:04
